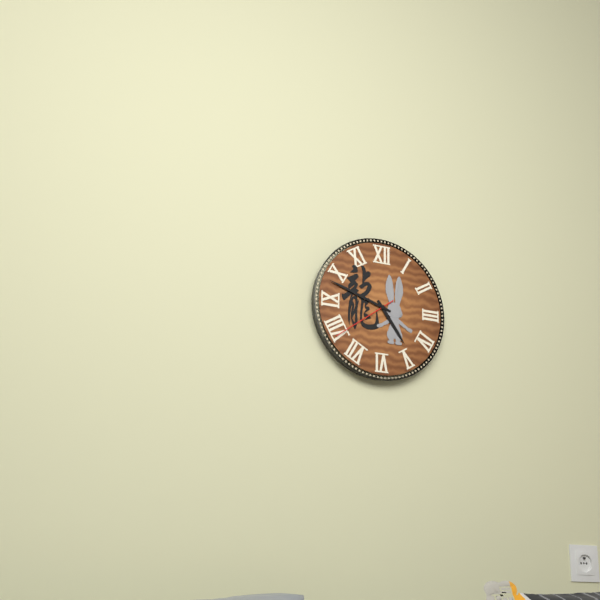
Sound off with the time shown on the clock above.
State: 4:48:39
